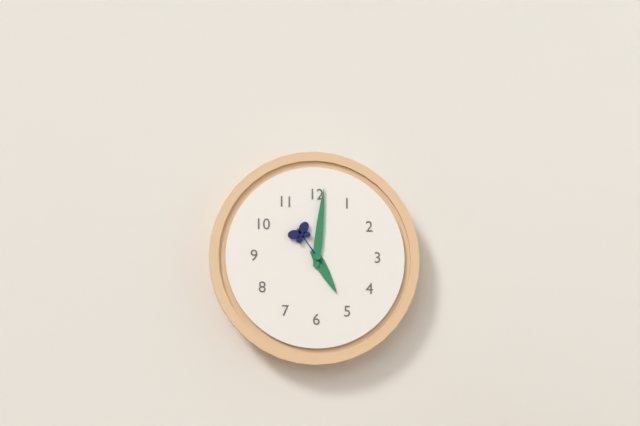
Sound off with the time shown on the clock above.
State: 5:01
